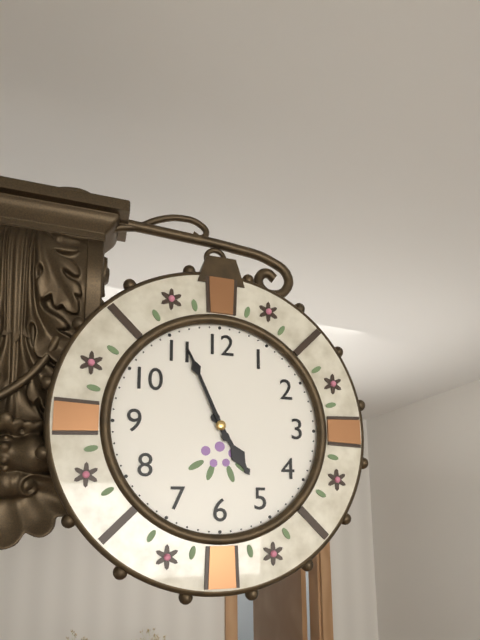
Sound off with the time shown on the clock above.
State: 4:56
